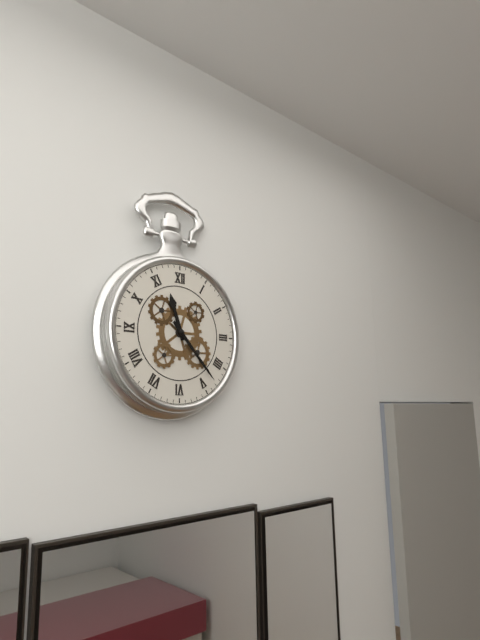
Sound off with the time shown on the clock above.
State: 11:23
